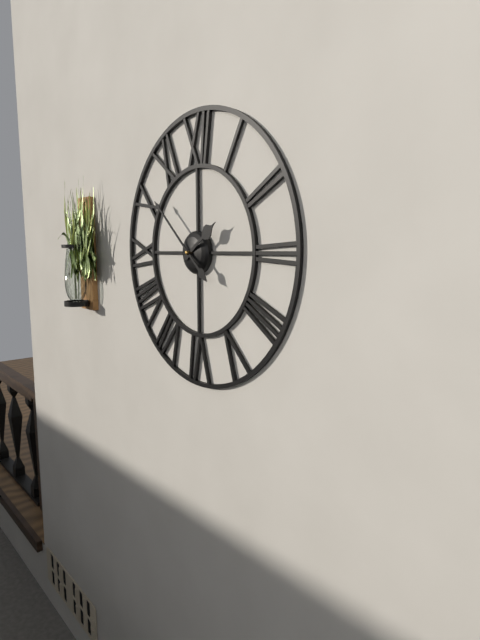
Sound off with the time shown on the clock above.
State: 1:52
